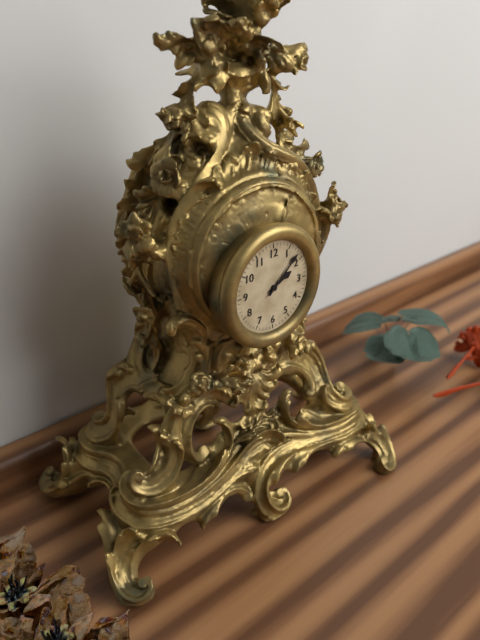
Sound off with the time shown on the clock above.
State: 2:08
